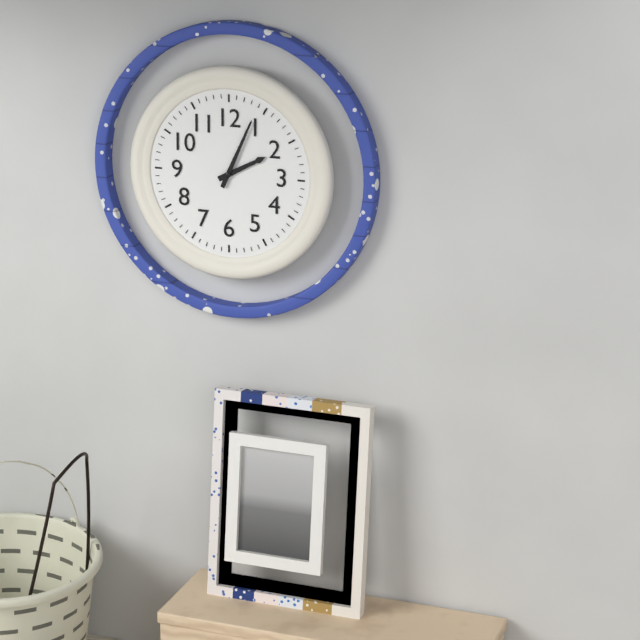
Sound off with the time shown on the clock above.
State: 2:04
